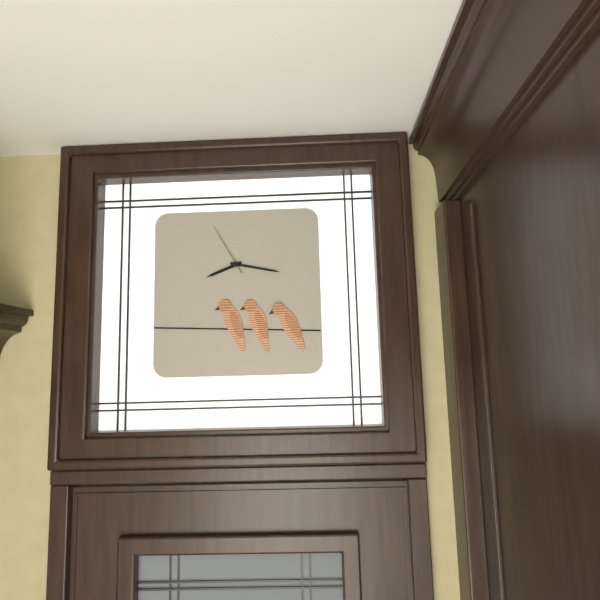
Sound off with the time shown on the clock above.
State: 8:17:55
